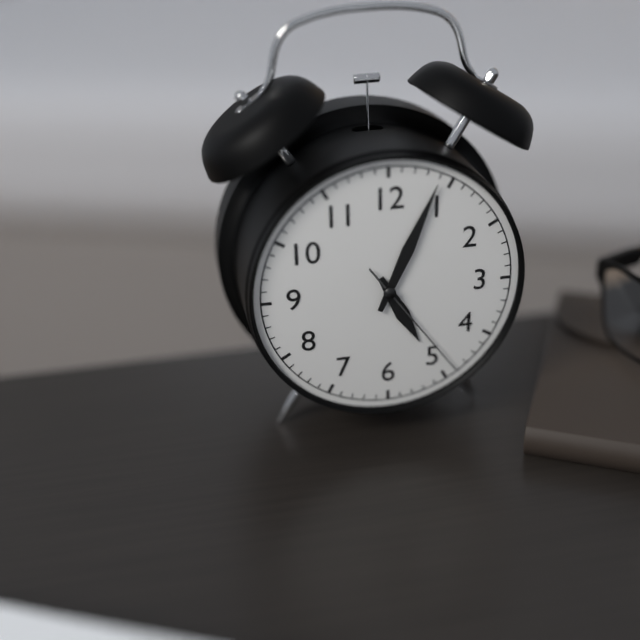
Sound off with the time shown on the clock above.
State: 5:04:24
